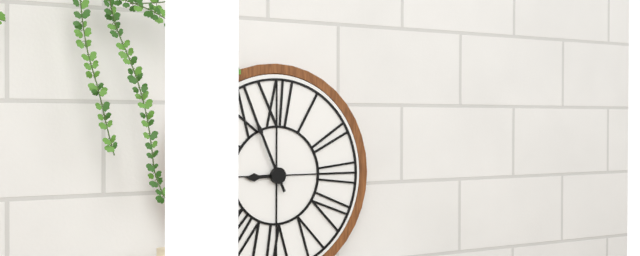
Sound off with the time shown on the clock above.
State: 8:56
